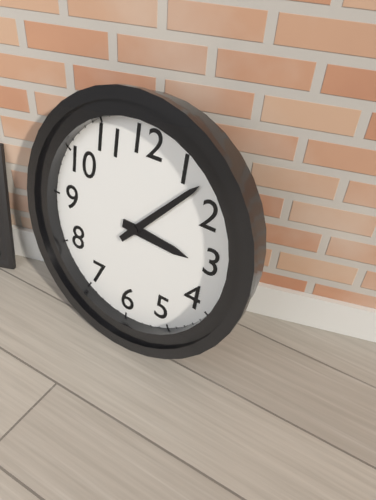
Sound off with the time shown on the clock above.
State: 3:07
